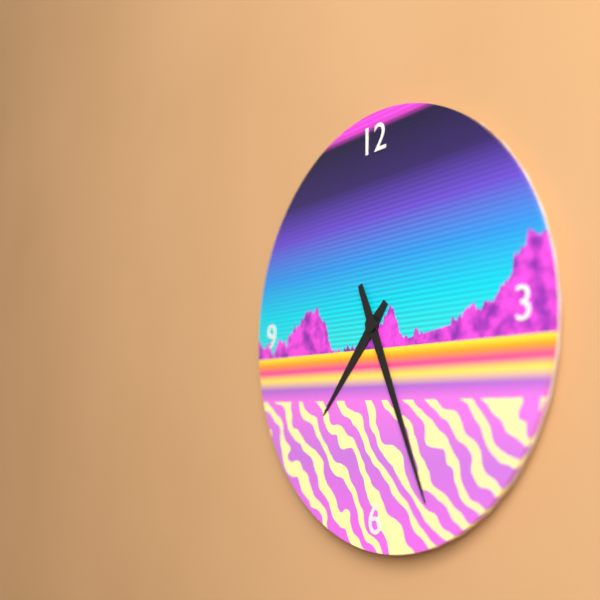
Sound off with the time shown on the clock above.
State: 7:26
